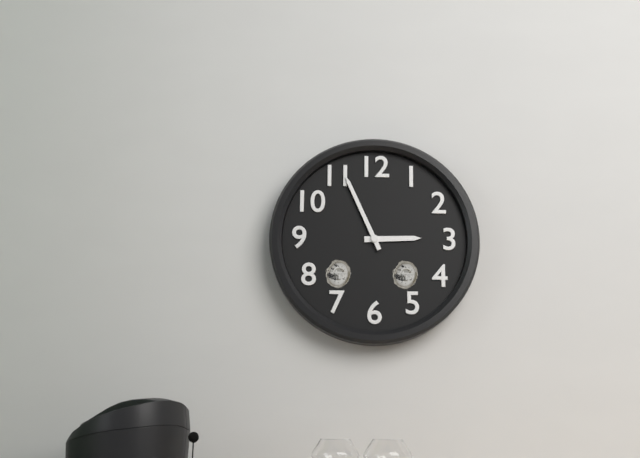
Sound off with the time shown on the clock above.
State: 2:56
